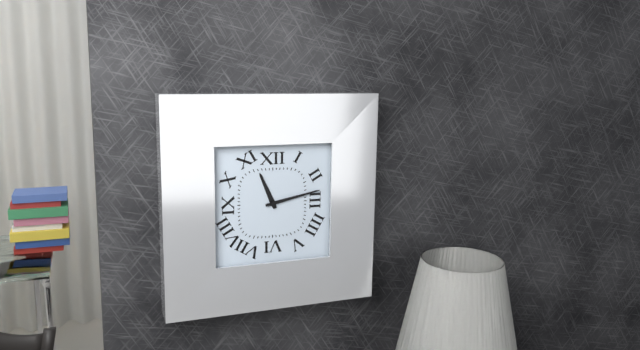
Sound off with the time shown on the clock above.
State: 11:13
